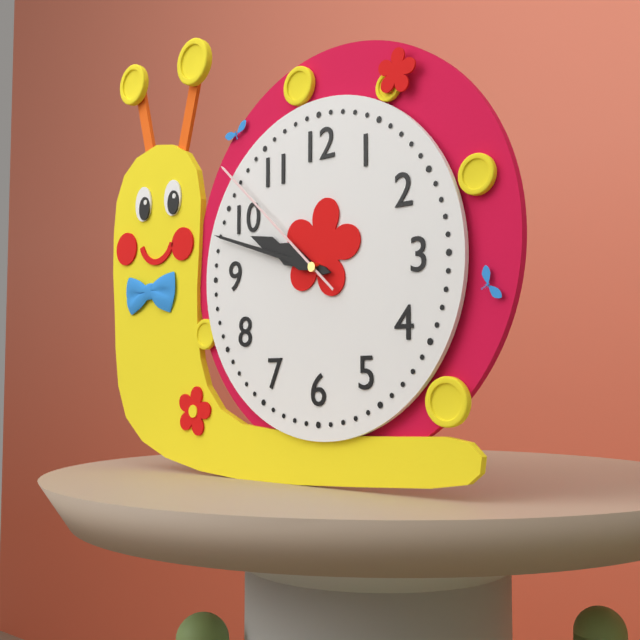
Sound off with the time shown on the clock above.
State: 9:48:52
